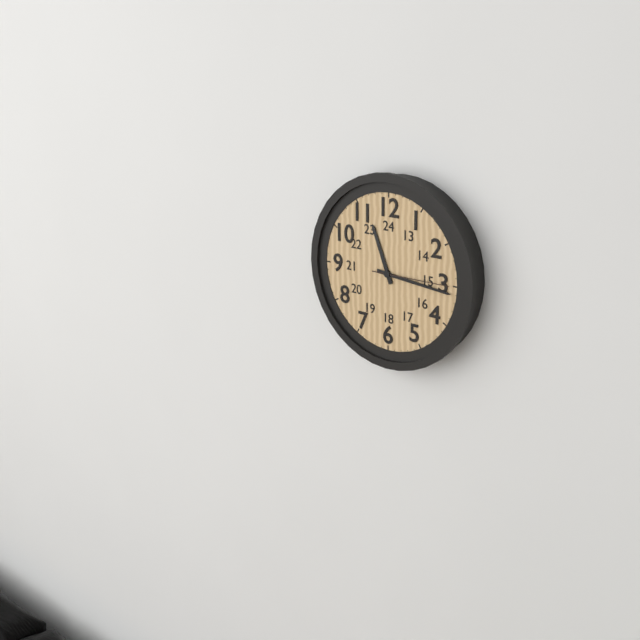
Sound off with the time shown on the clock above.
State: 11:16:15
